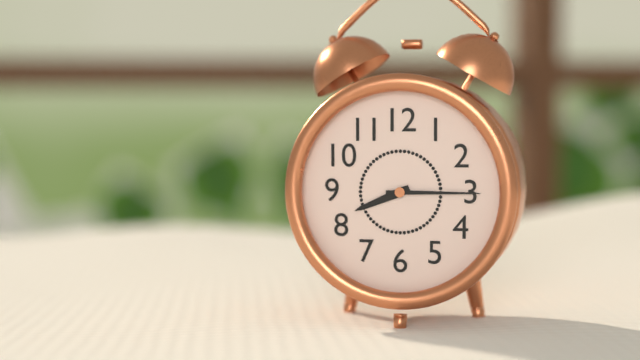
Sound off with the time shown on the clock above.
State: 8:15
